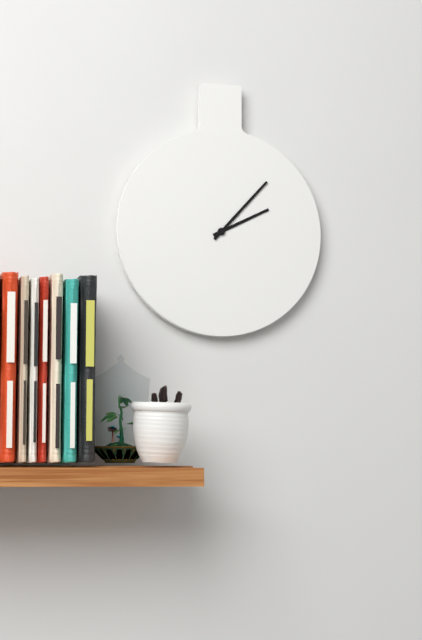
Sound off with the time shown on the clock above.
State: 2:07
